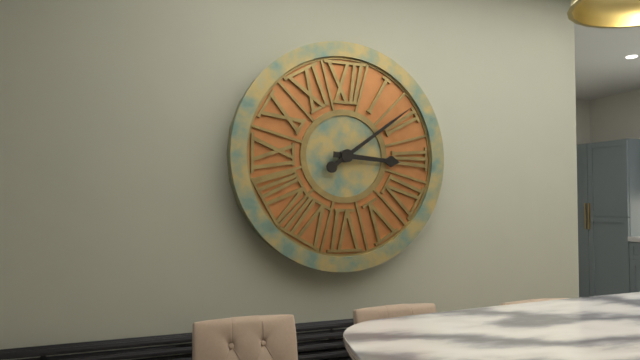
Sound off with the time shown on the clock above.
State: 3:09
